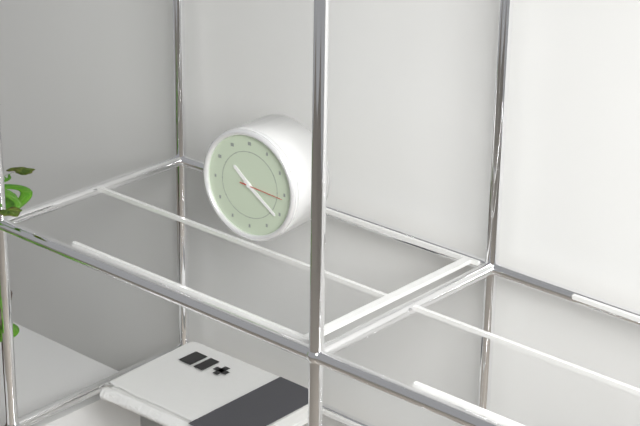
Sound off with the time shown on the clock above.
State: 10:21
